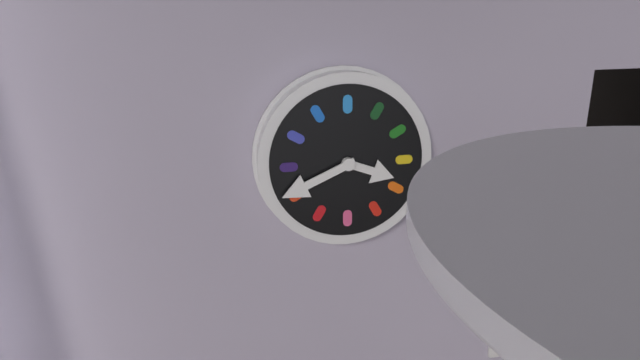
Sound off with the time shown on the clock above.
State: 3:41
